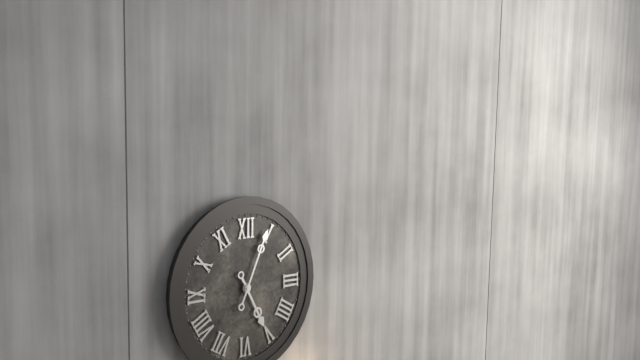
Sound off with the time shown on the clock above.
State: 5:04
